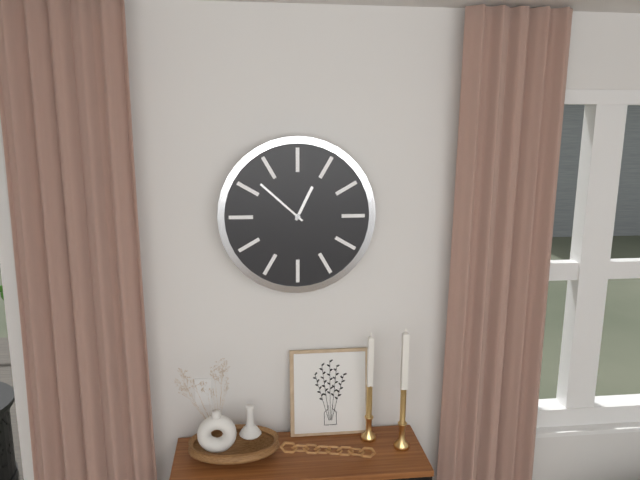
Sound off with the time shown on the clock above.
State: 12:52
